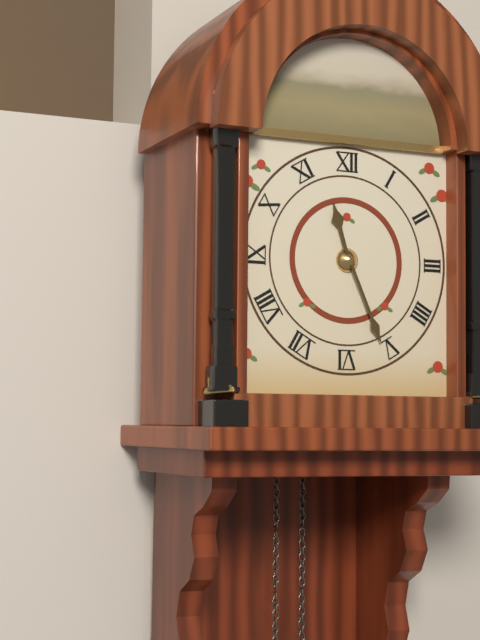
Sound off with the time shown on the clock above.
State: 11:26
